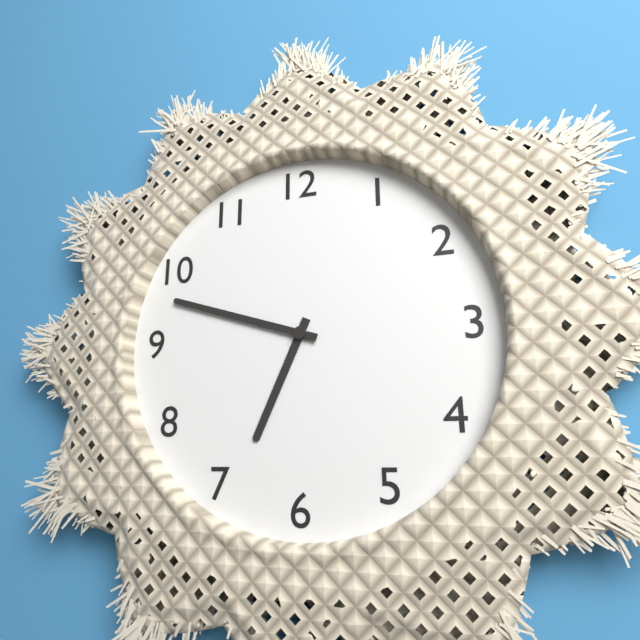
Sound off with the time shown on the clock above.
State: 6:48
